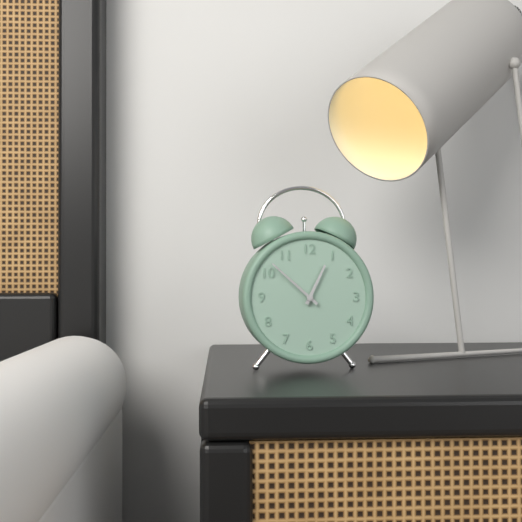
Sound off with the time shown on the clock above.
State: 12:52
